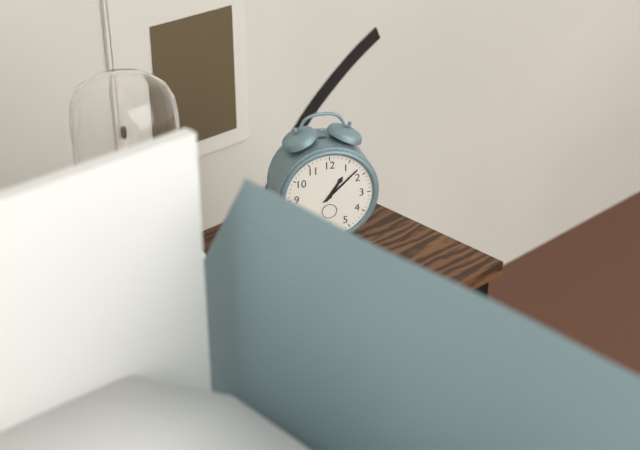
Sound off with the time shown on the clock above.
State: 1:08
